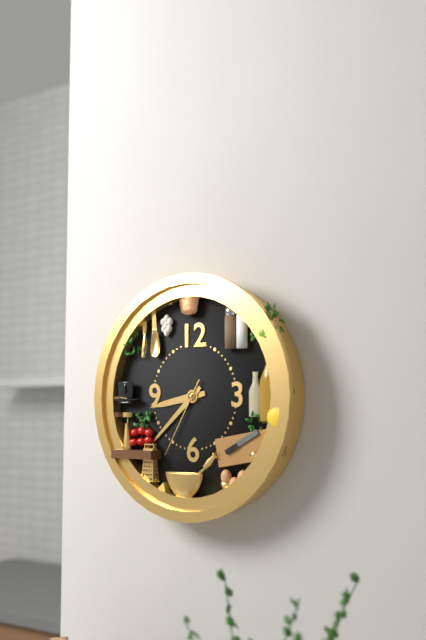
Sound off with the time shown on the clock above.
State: 8:38:35
